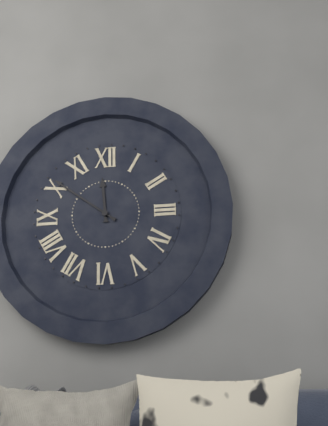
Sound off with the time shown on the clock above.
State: 11:51
